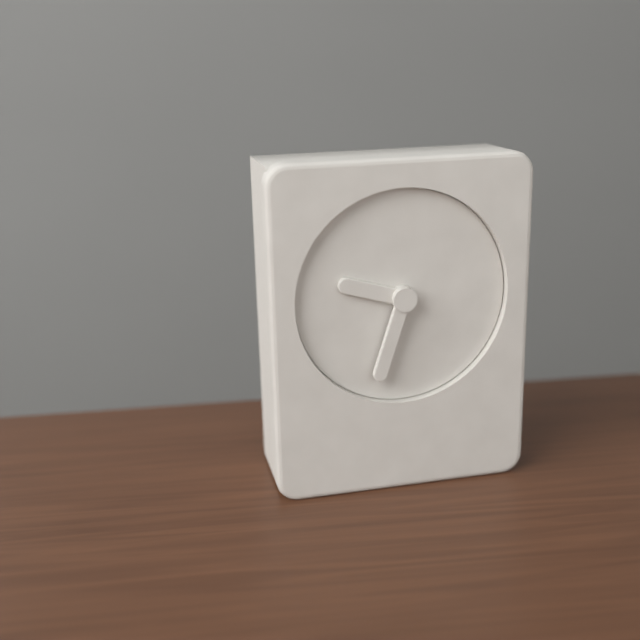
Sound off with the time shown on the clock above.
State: 9:33
